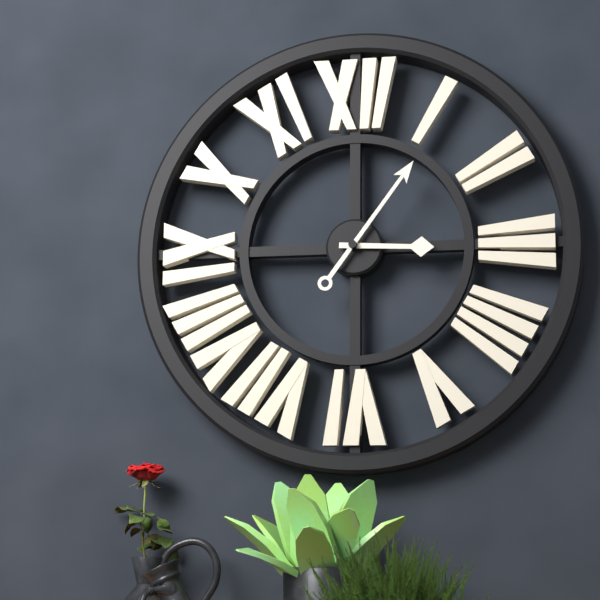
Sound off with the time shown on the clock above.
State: 3:06
